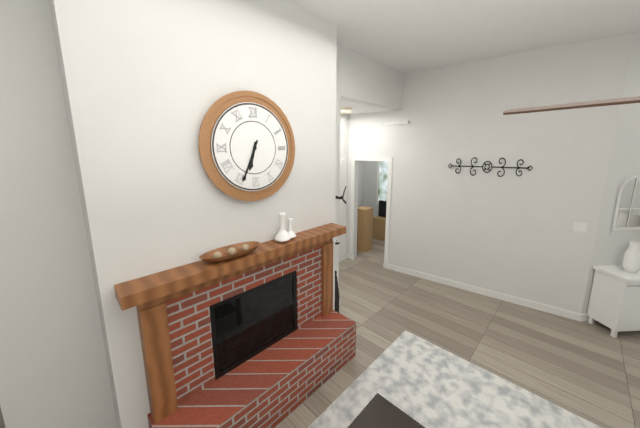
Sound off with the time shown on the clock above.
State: 6:34
